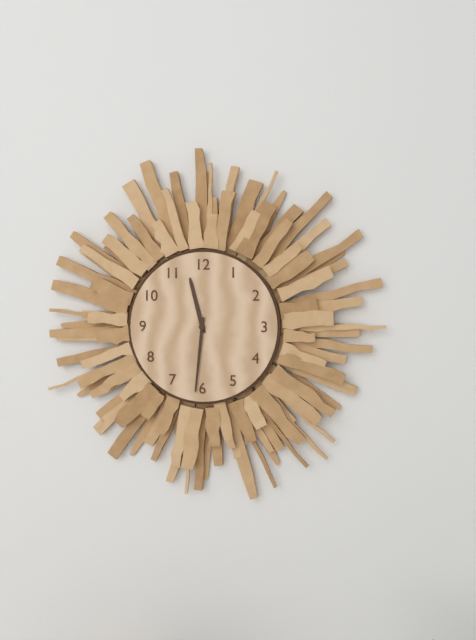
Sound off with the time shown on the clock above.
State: 11:31
